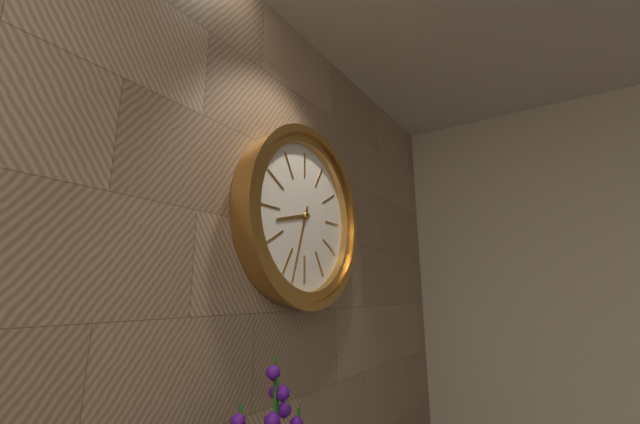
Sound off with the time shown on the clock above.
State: 8:33
